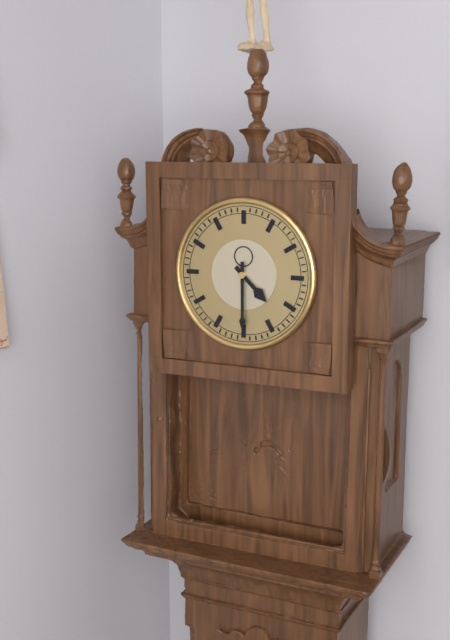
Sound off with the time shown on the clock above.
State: 4:30
